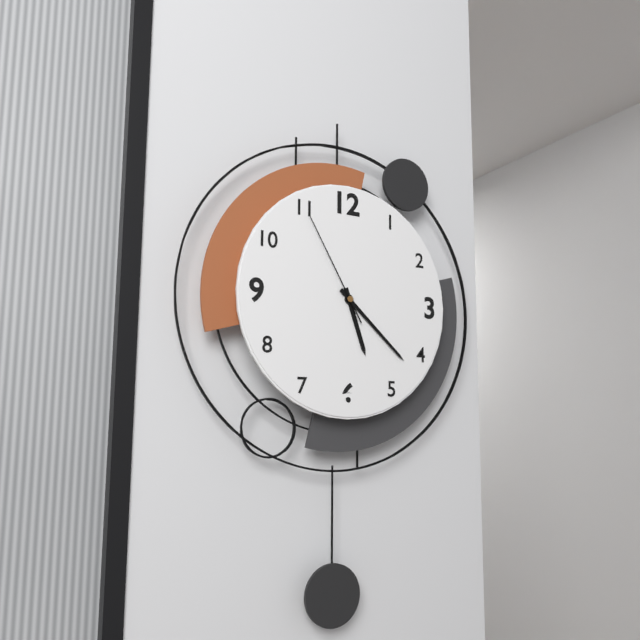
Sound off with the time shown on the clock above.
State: 5:22:55
